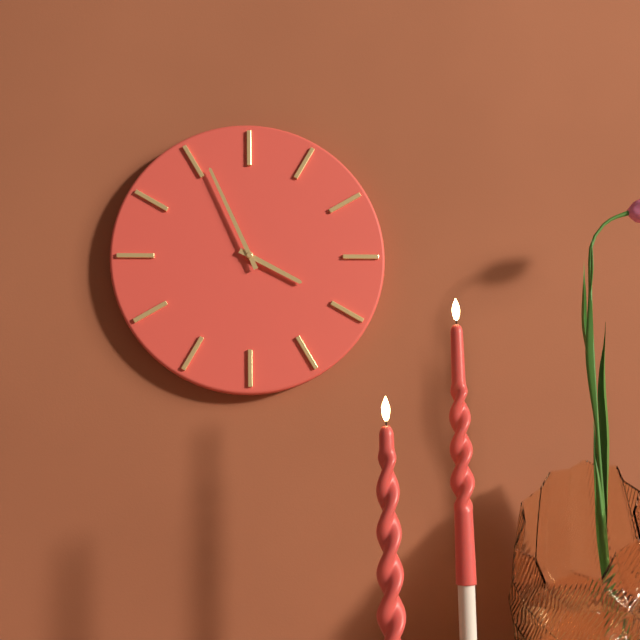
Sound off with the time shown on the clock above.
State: 3:56
